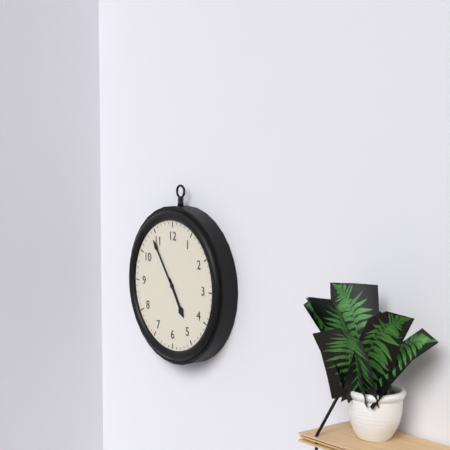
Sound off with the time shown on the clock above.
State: 4:54
